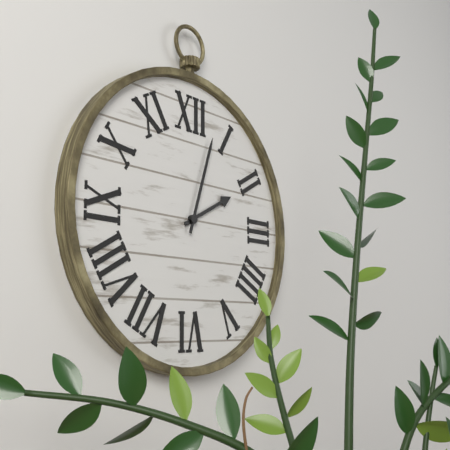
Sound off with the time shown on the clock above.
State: 2:03
